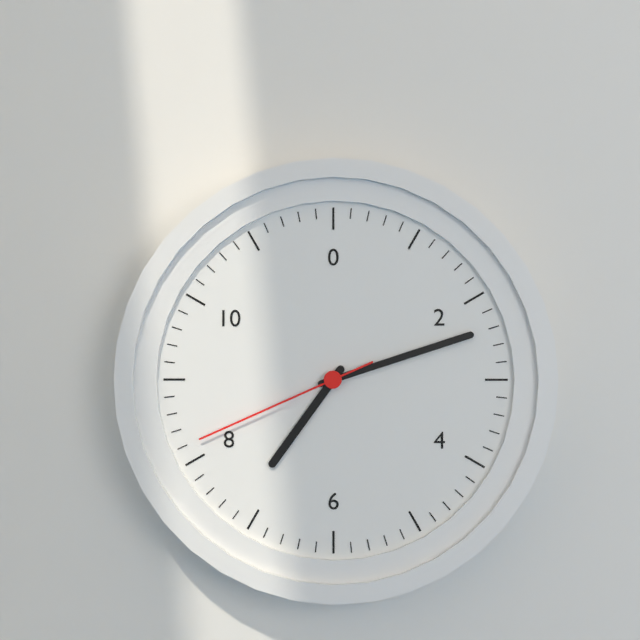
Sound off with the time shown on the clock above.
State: 7:12:41
